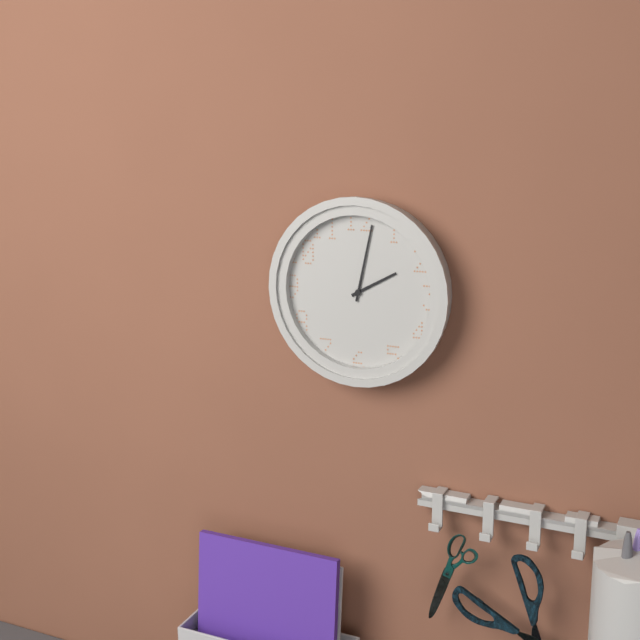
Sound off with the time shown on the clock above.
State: 2:02
